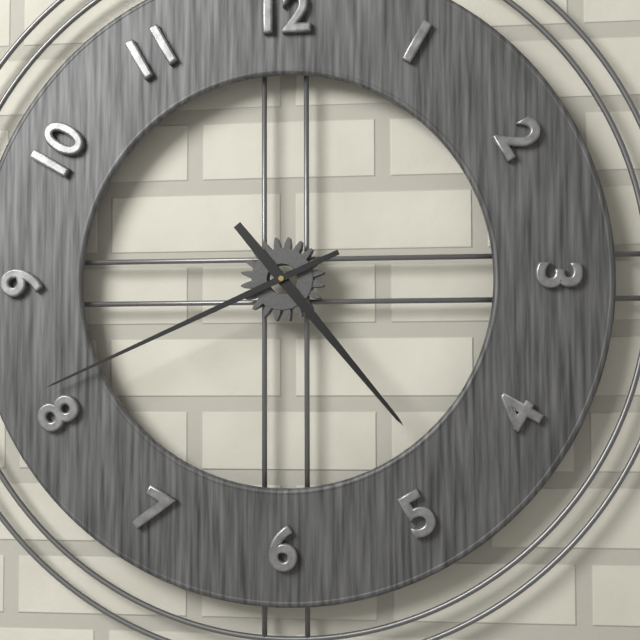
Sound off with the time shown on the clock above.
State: 4:41
